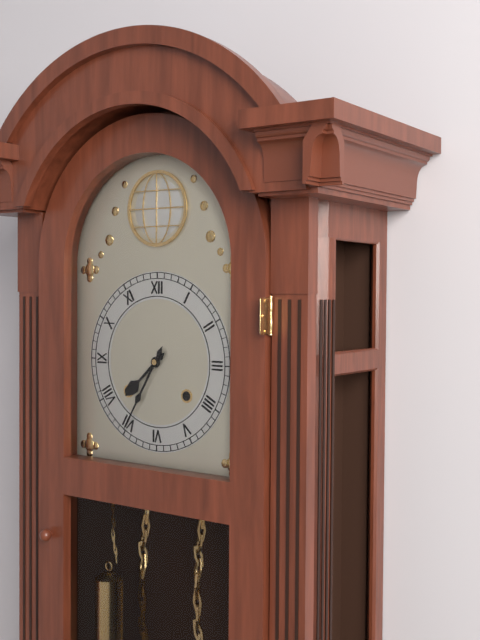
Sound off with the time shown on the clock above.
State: 7:35
